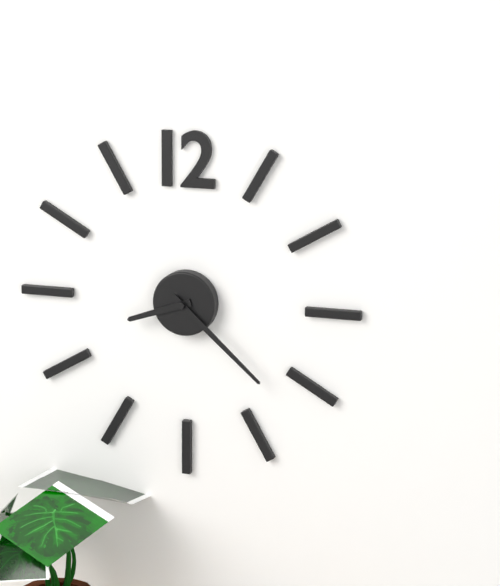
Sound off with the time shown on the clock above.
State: 8:22
